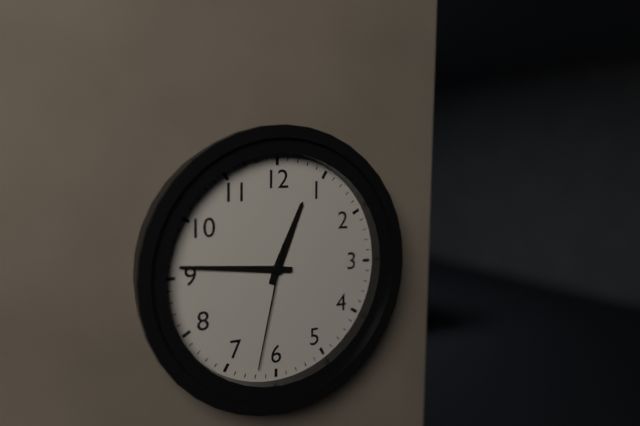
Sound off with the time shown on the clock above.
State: 12:46:32
